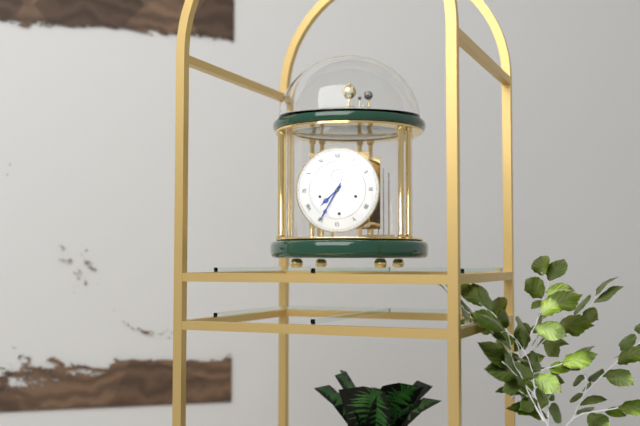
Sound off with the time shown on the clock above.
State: 7:35
